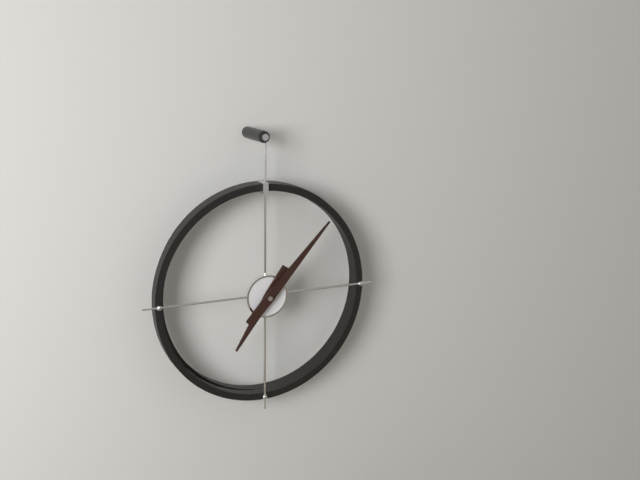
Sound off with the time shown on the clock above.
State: 7:07
